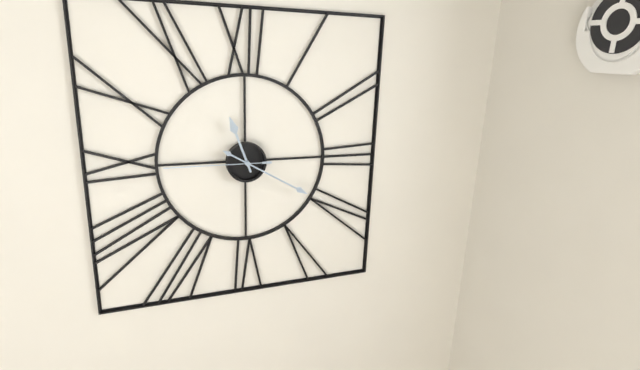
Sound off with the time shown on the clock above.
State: 11:20:45
